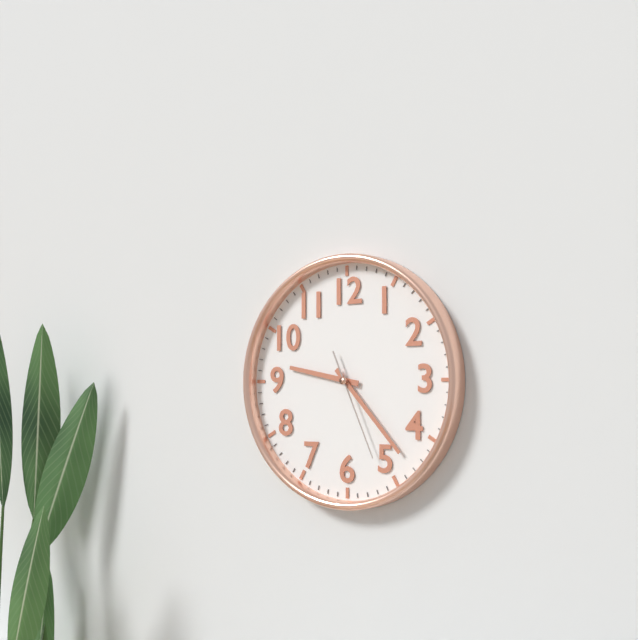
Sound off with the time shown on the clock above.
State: 9:23:26
